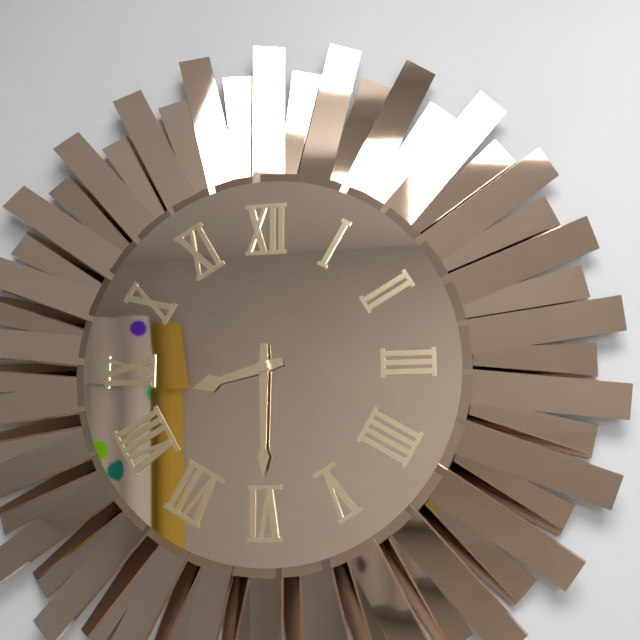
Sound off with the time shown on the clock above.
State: 8:30
